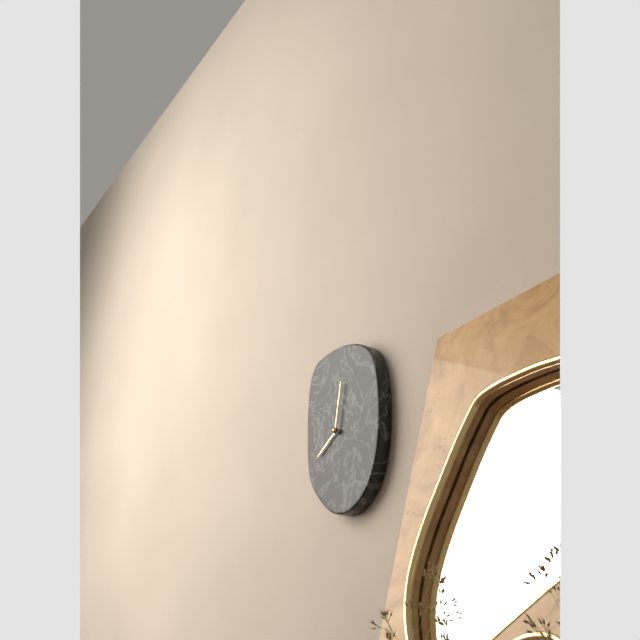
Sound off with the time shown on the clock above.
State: 8:02
